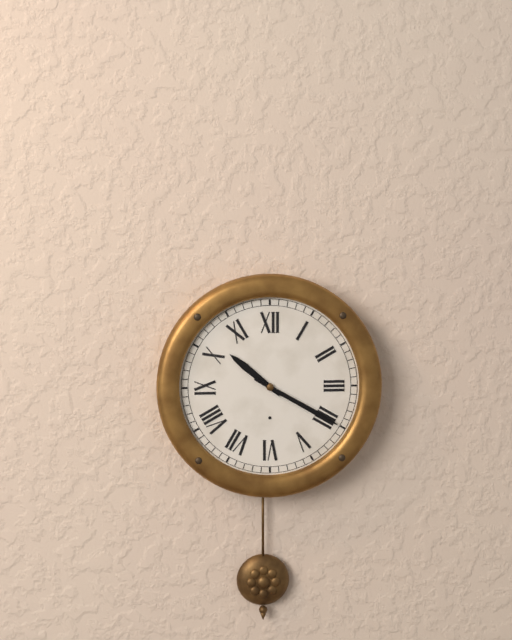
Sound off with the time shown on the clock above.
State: 10:20
